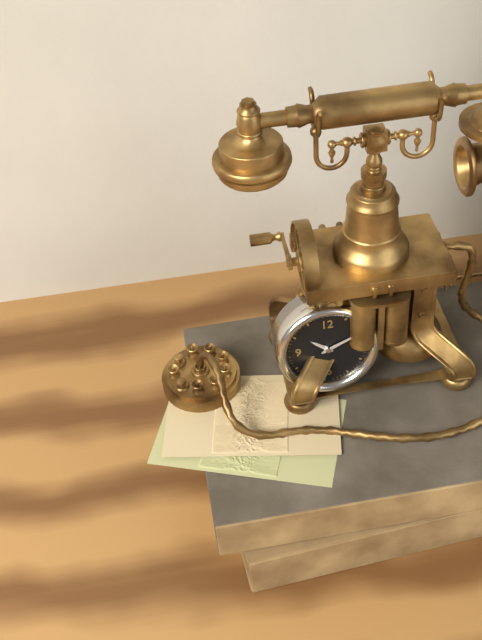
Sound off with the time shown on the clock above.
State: 10:11
